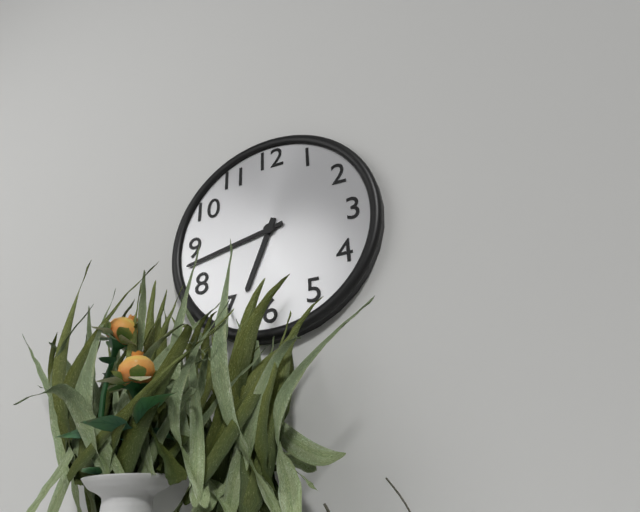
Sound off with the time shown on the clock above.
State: 6:43
